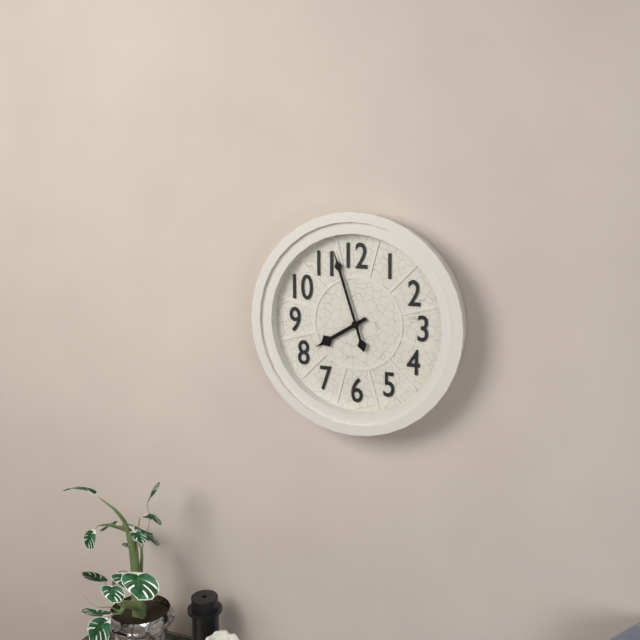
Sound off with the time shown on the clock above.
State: 7:57
